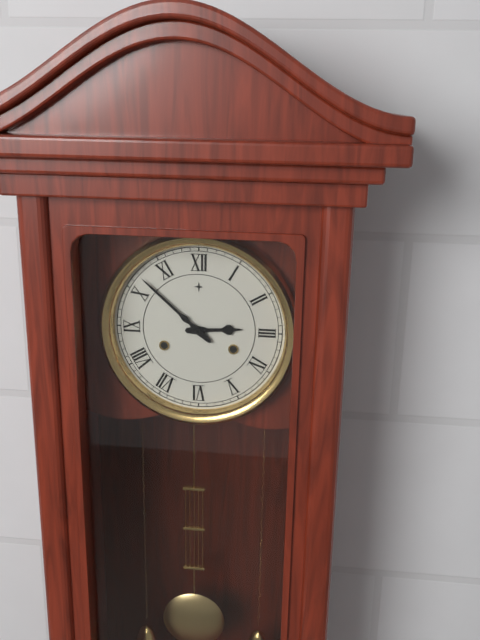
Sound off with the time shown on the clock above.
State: 2:52
